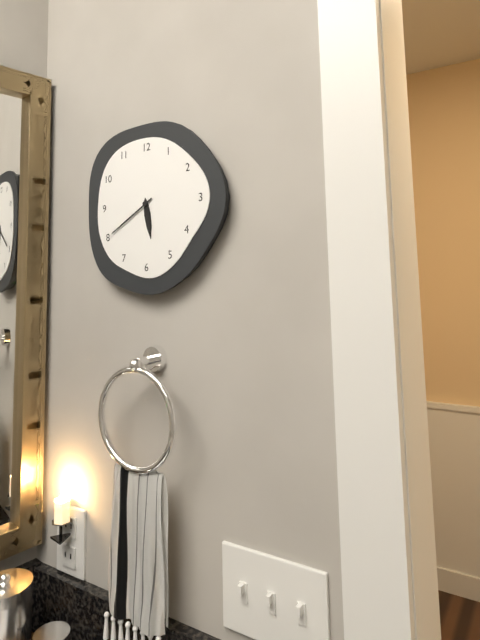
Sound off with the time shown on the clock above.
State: 5:40
